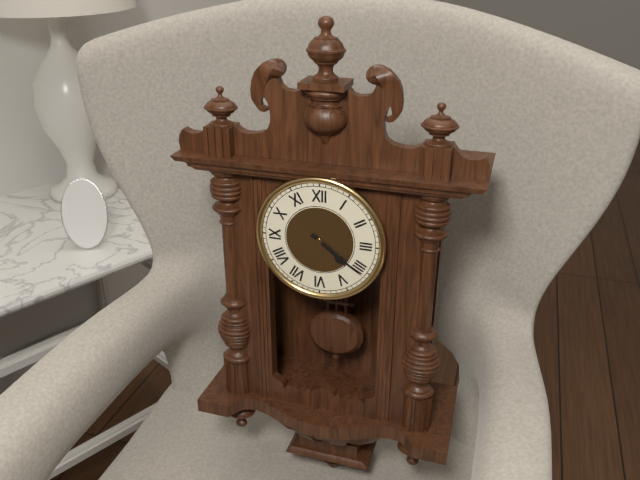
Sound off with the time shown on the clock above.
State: 4:21
